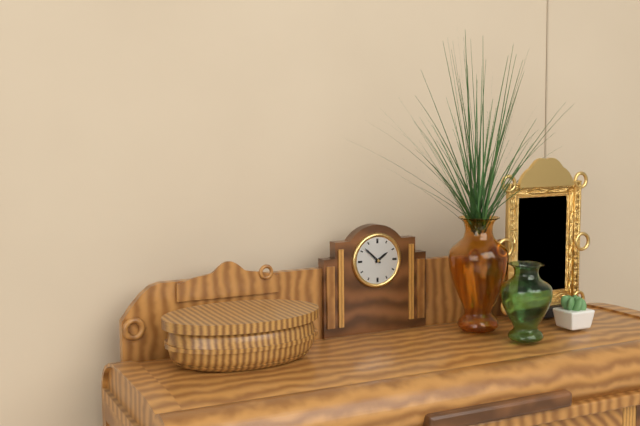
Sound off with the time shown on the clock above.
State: 1:52
